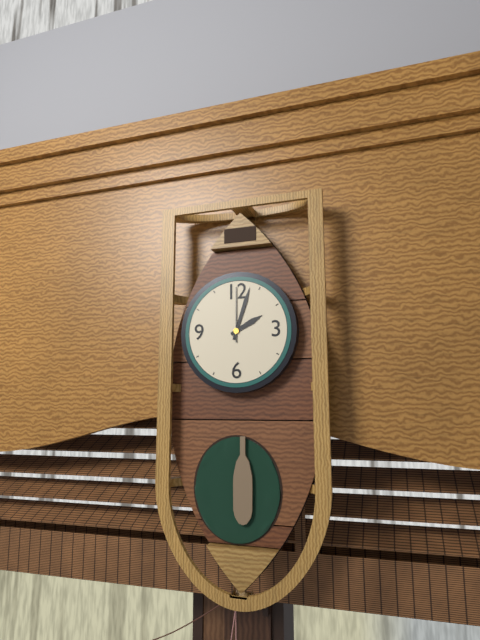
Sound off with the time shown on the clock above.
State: 2:03:00
